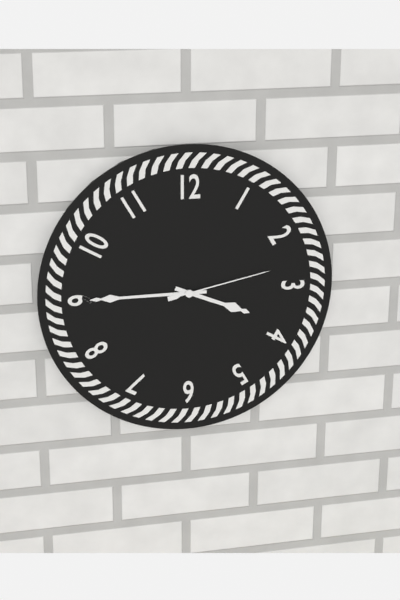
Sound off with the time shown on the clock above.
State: 3:45:13
